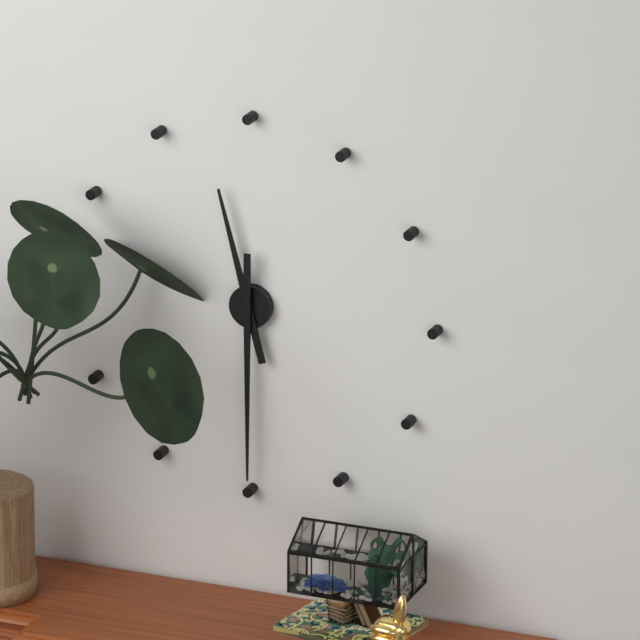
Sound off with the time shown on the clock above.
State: 11:30
